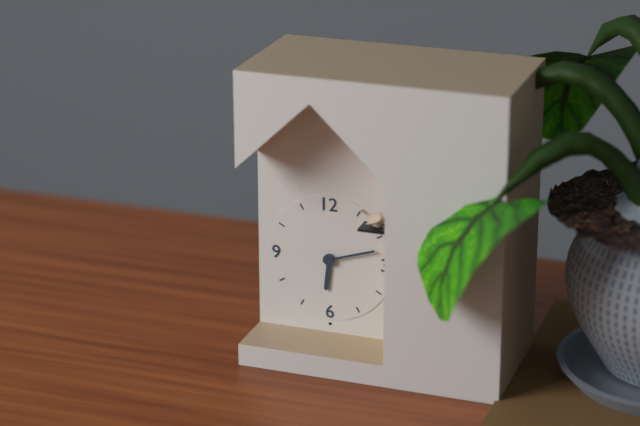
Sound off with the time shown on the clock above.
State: 6:12
